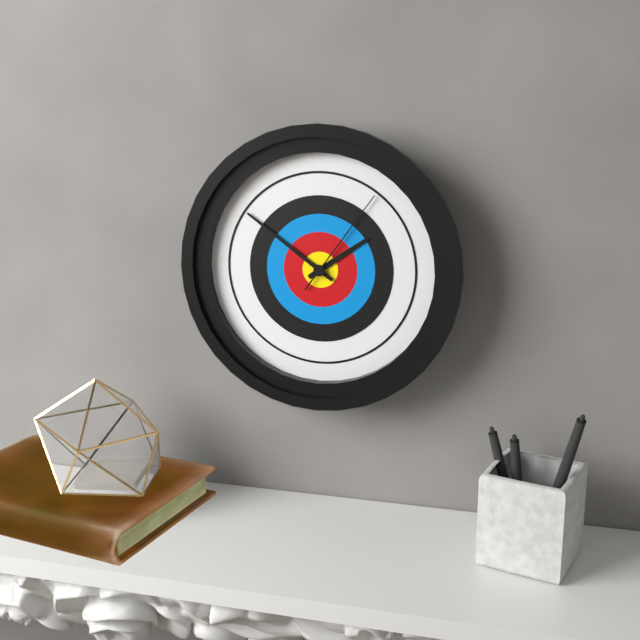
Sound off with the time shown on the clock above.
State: 1:51:06
